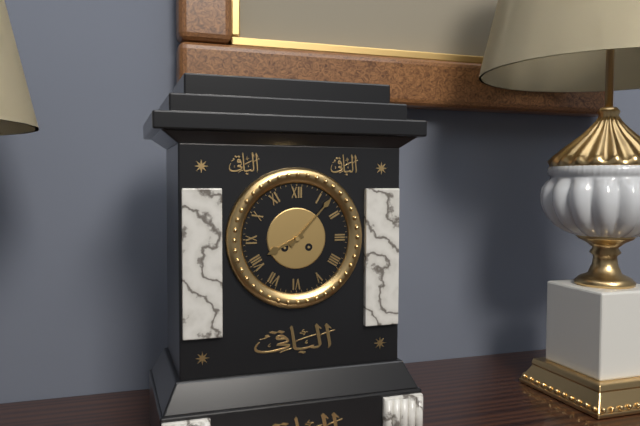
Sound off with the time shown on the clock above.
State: 8:07
